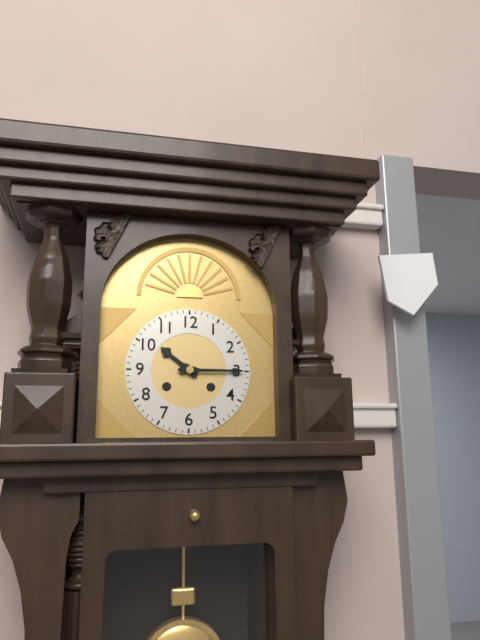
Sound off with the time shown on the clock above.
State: 10:15
